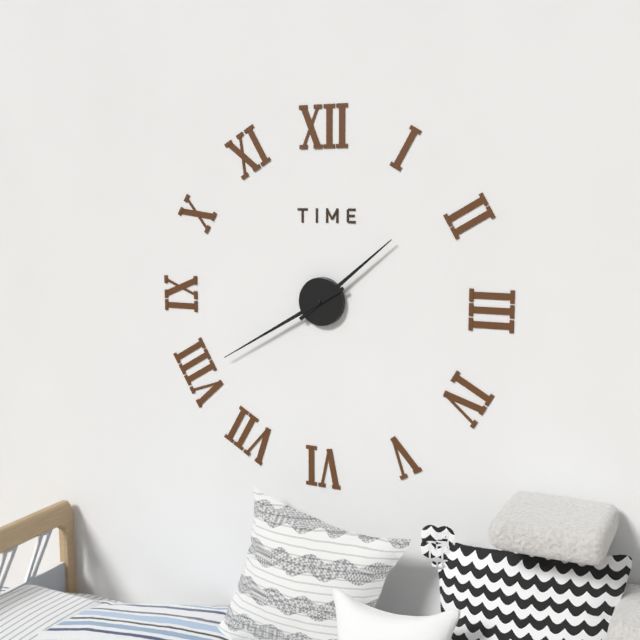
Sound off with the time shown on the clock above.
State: 1:40
